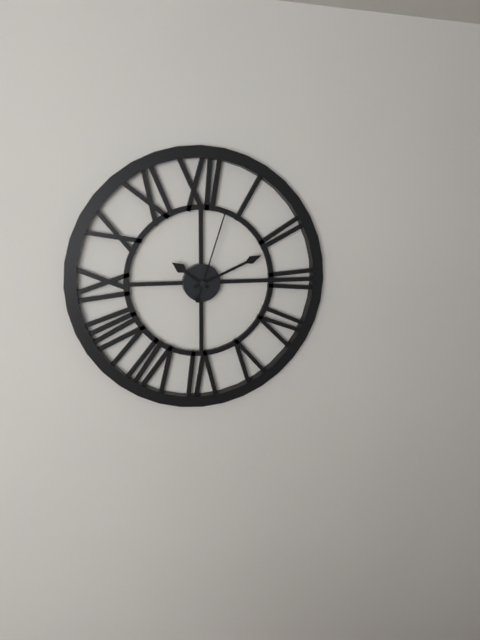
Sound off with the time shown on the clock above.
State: 10:11:03
